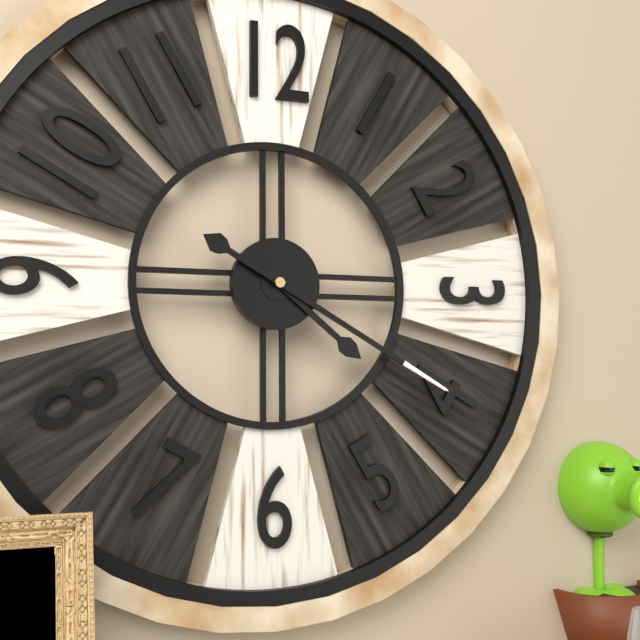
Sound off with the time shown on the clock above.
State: 4:20
